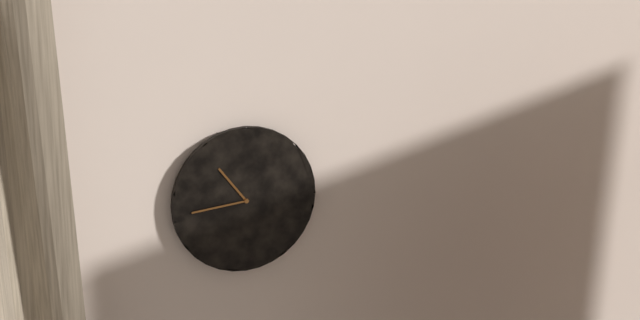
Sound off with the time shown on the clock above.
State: 10:44
